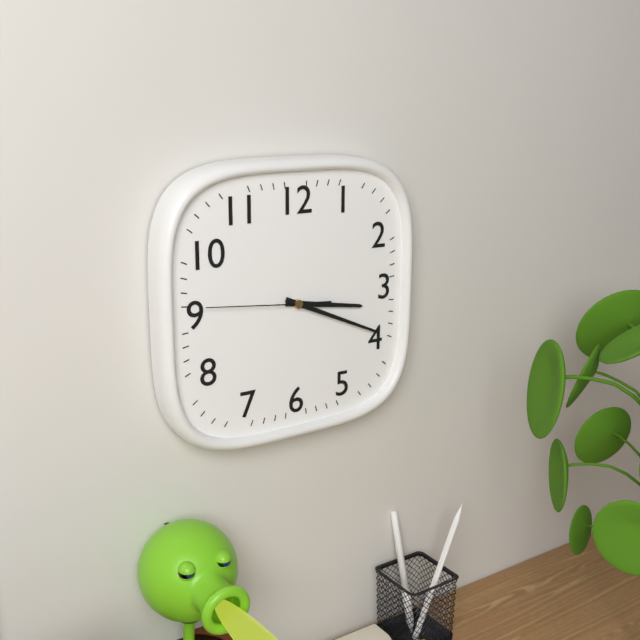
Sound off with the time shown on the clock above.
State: 3:19:46
